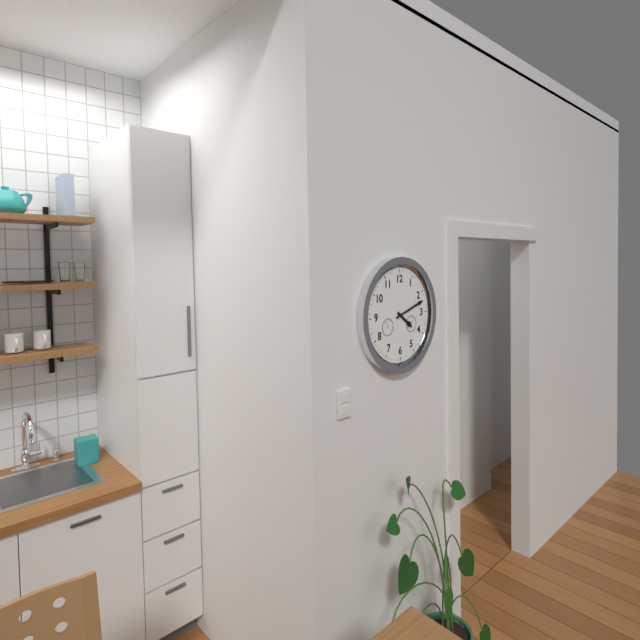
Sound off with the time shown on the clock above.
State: 4:12
